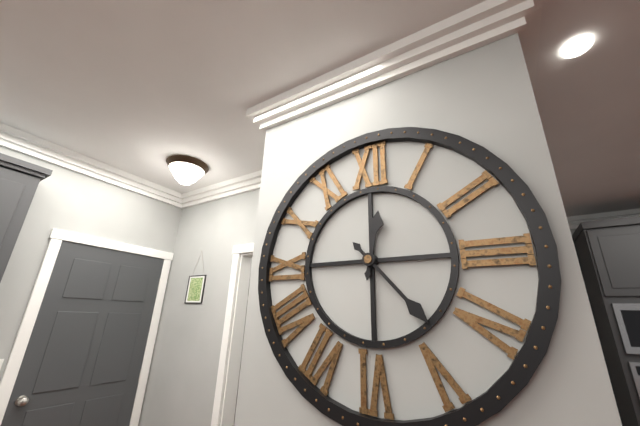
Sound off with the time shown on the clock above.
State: 12:23
